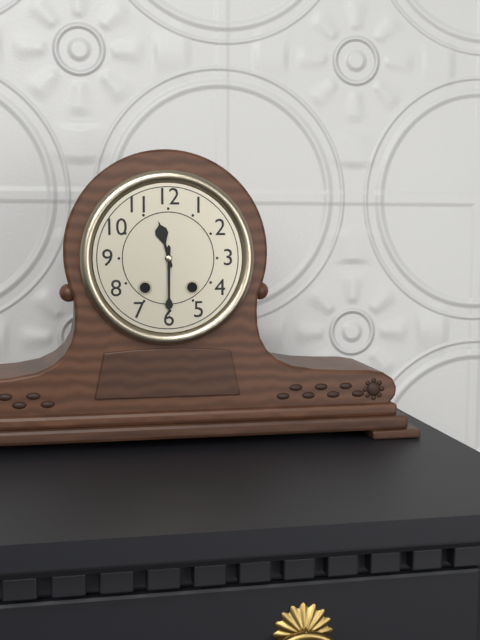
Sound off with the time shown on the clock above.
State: 11:30
